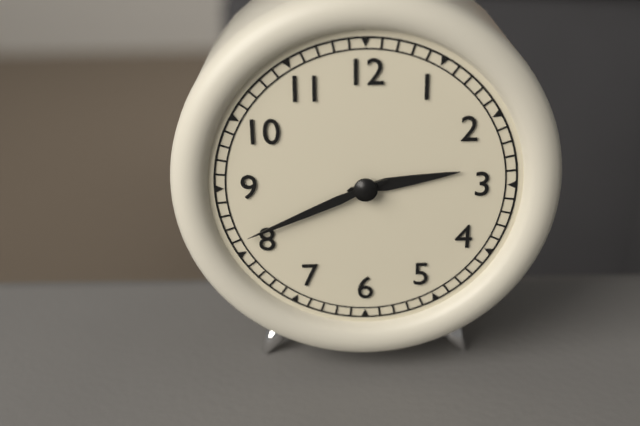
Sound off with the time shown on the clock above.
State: 2:41
